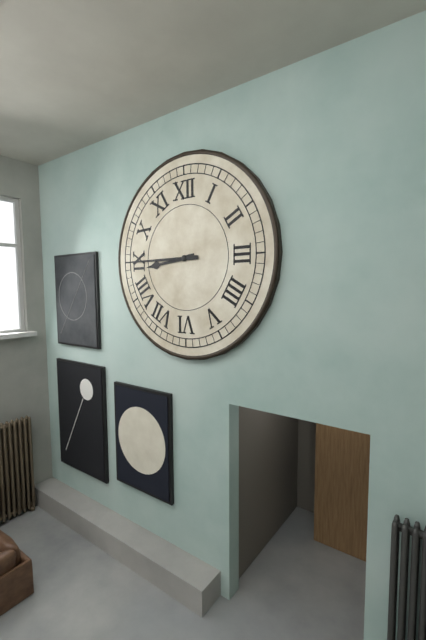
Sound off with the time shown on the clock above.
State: 8:45
